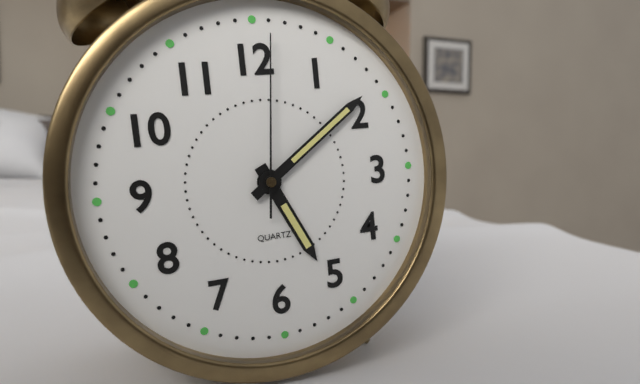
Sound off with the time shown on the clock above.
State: 5:09:01
